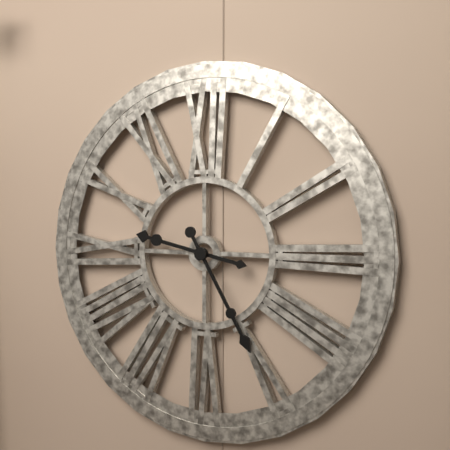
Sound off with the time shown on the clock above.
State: 9:25
